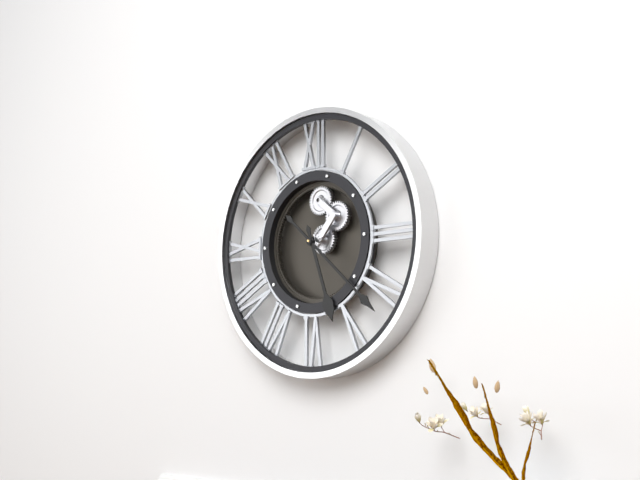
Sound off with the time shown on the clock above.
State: 5:22
